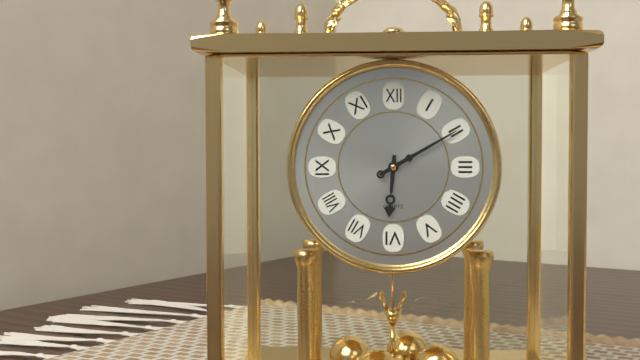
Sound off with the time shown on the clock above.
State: 6:10
